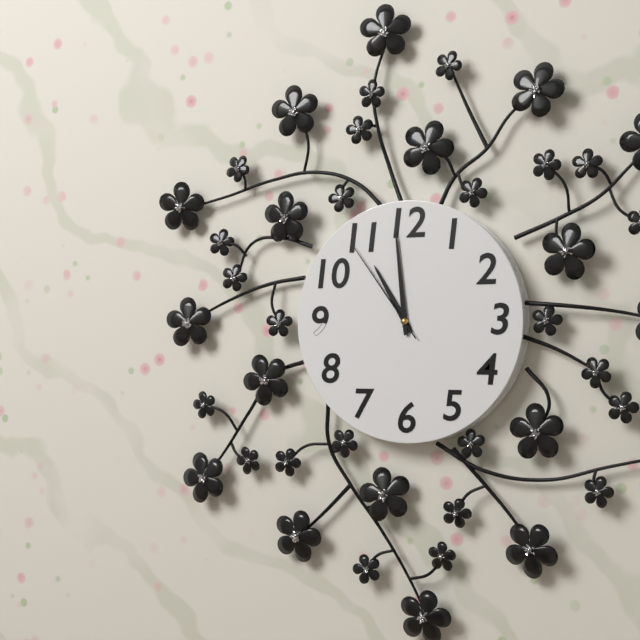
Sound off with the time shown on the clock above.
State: 10:59:54
